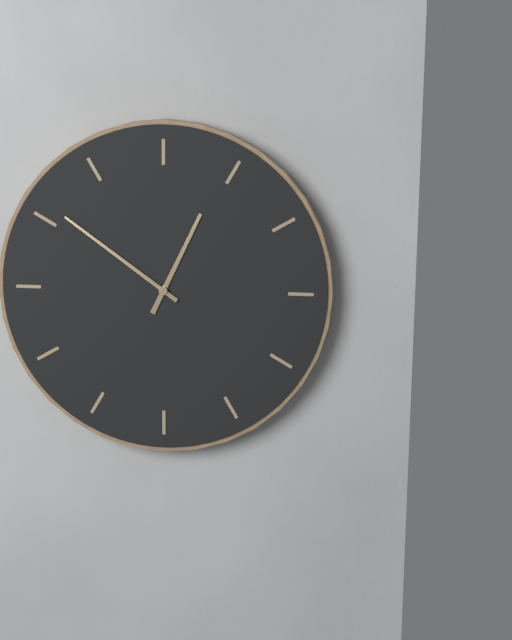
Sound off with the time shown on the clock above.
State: 12:51
